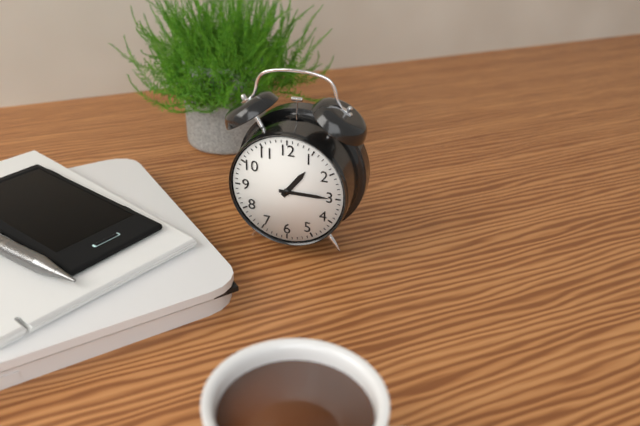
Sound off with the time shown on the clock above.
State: 1:15
